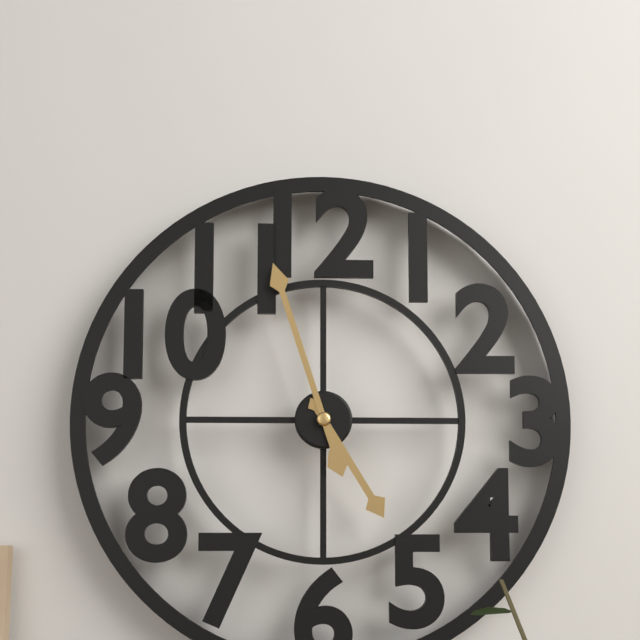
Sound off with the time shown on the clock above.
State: 4:57
